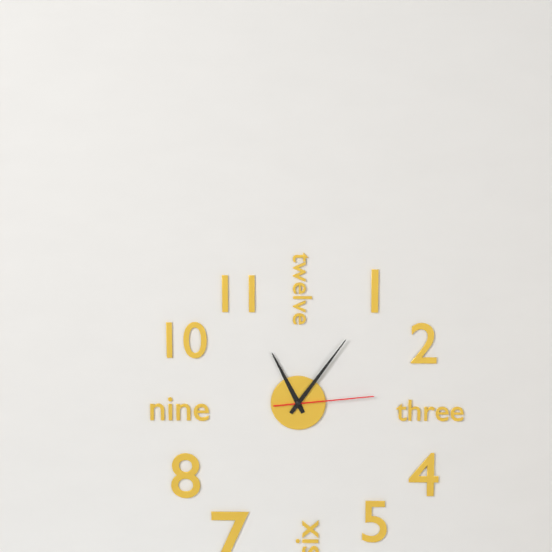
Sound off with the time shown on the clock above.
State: 11:06:14
